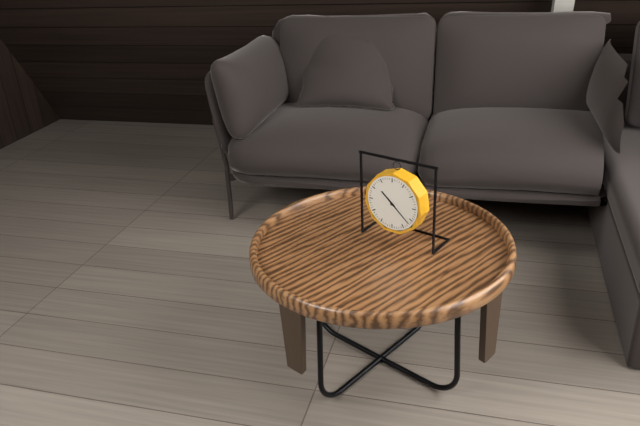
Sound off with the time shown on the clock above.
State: 10:22
